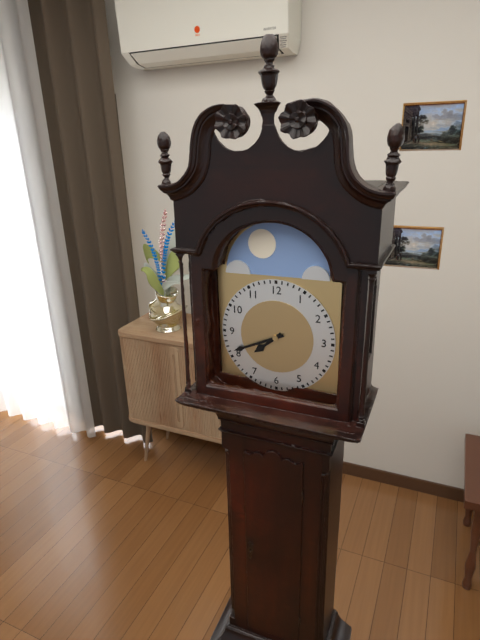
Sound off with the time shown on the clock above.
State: 7:41
